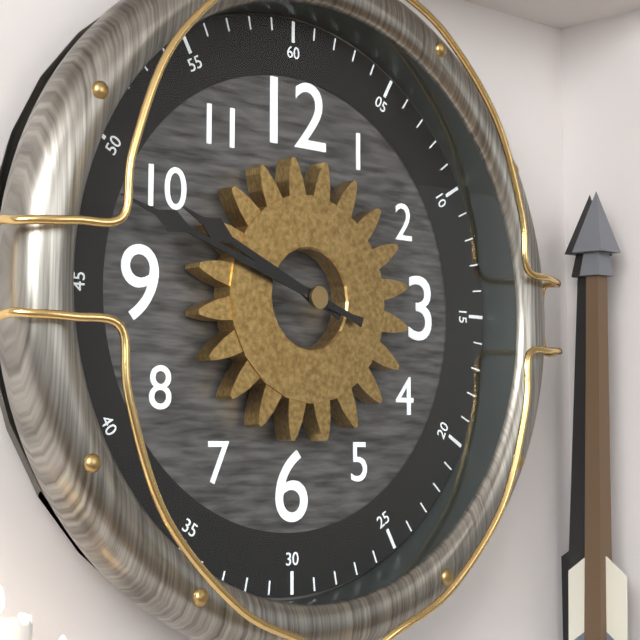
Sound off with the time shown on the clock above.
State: 9:48
